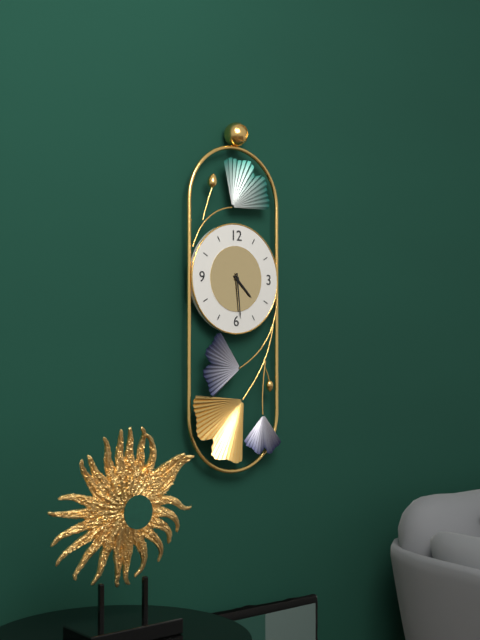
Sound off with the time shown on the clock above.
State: 4:29
